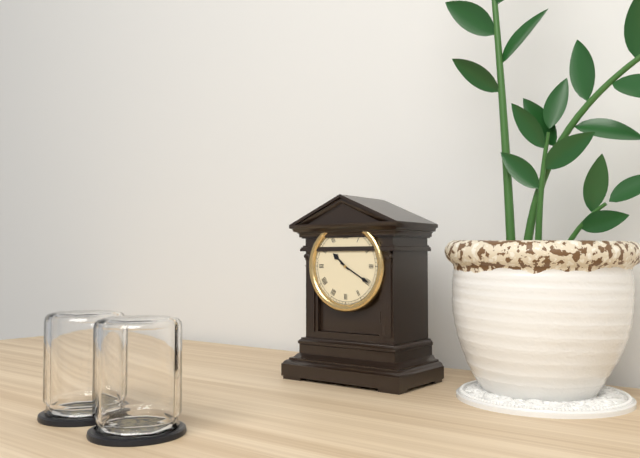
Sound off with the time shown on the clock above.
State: 10:20
